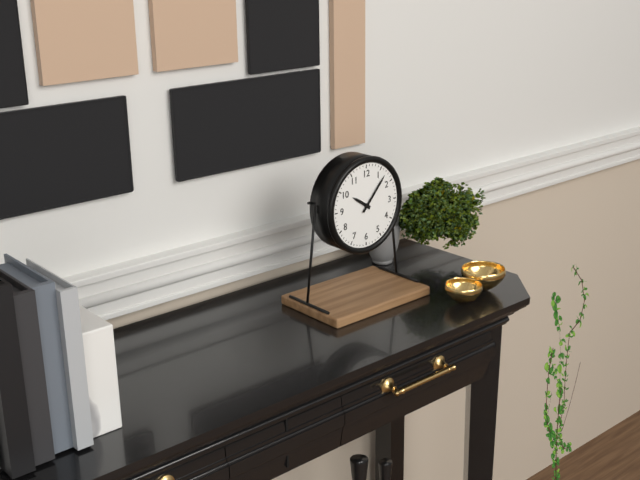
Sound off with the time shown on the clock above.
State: 10:07
